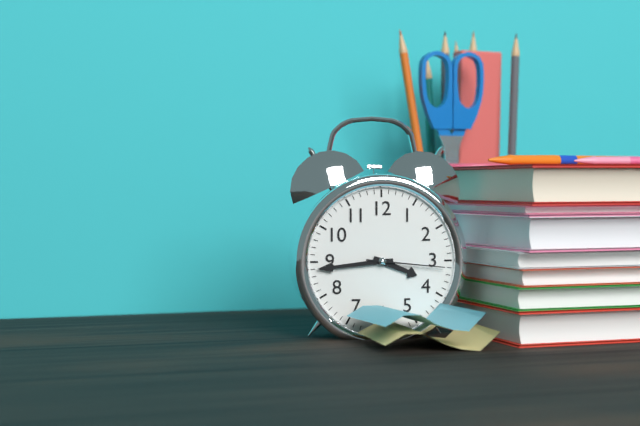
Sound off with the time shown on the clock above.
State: 3:44:16
